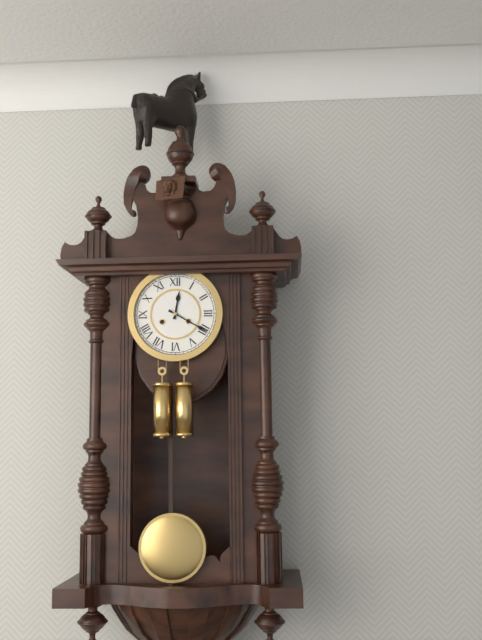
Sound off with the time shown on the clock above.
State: 12:20
